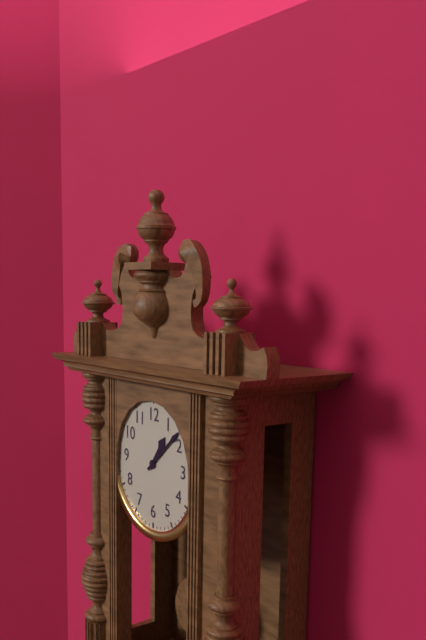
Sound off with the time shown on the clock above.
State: 1:08
